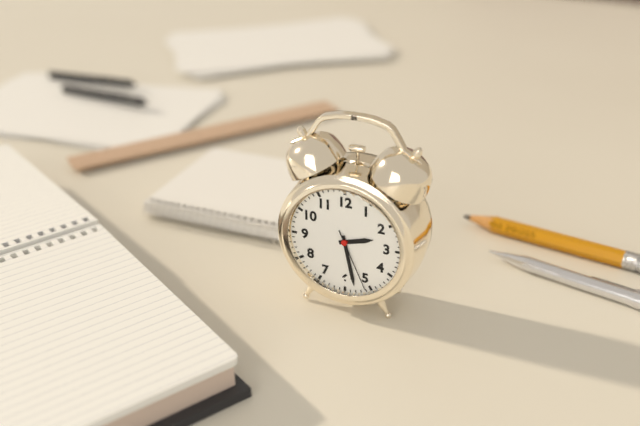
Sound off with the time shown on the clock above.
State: 2:28:26
